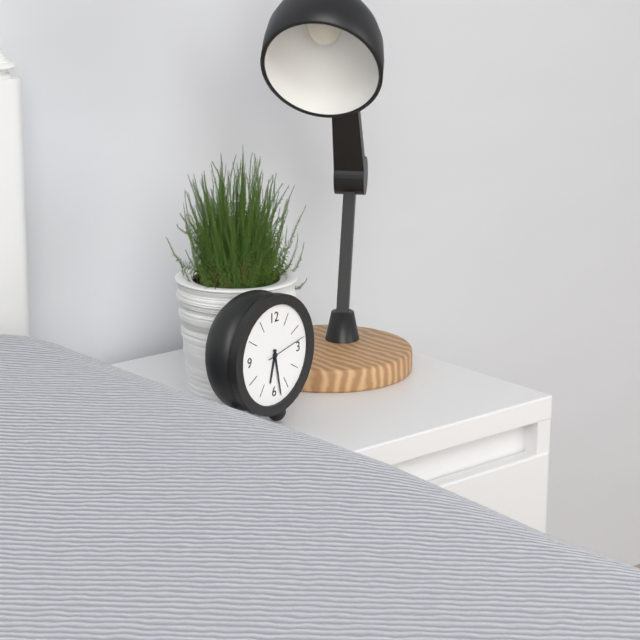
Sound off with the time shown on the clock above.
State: 6:28
